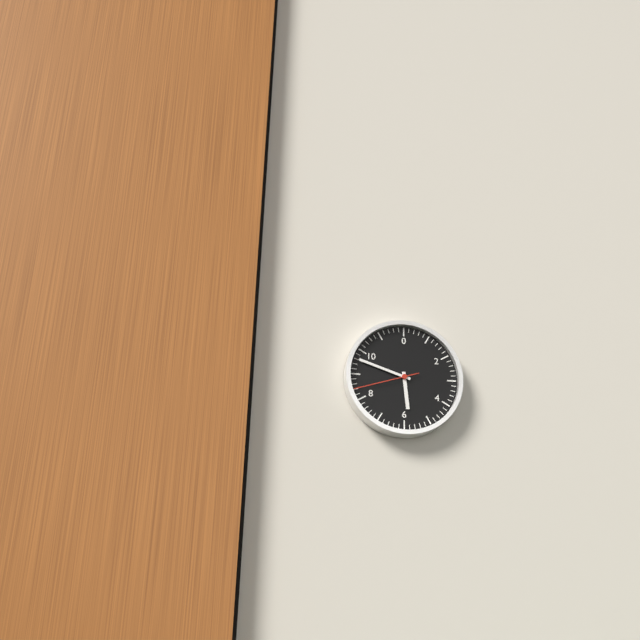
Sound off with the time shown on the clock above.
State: 5:48:42
